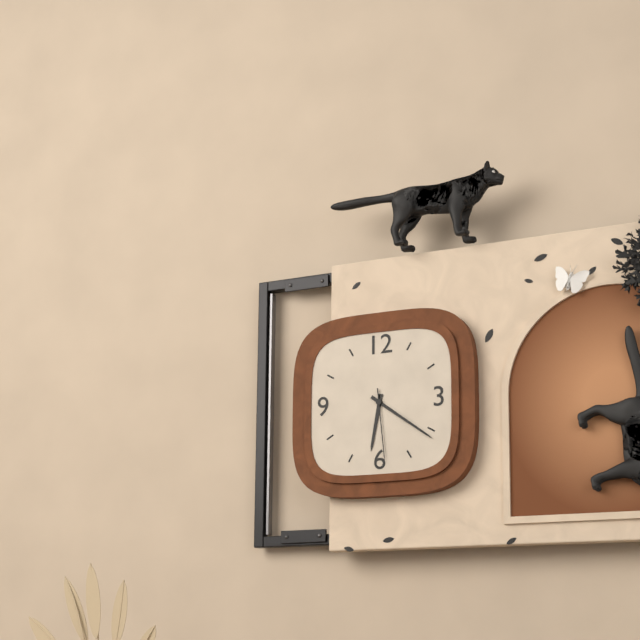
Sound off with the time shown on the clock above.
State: 6:21:29
